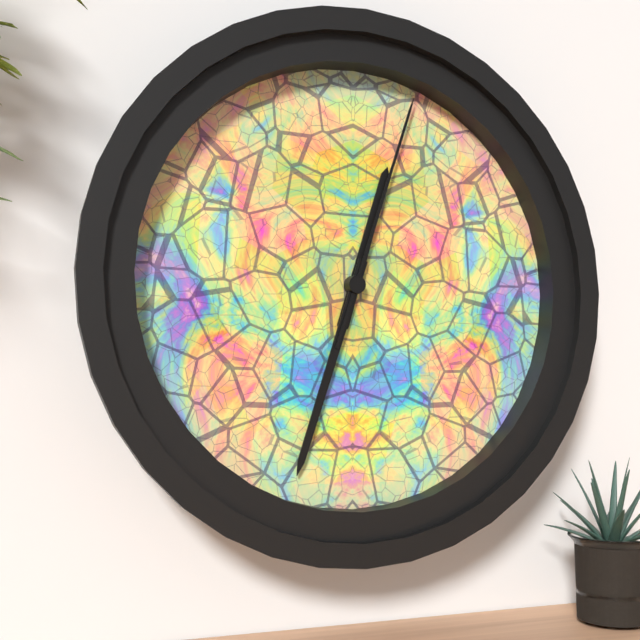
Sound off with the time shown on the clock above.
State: 12:33:03
